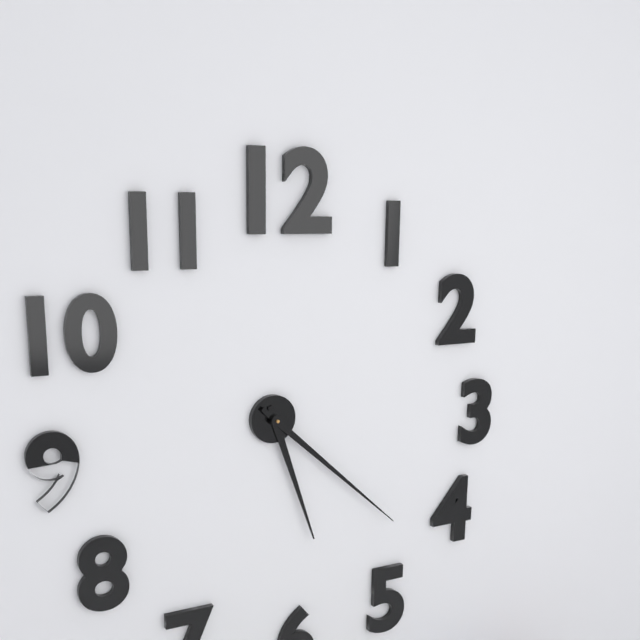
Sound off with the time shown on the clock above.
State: 5:22
